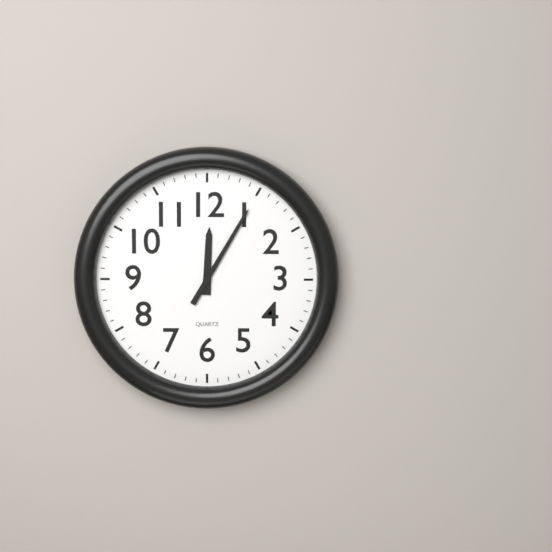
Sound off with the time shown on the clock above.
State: 12:05
